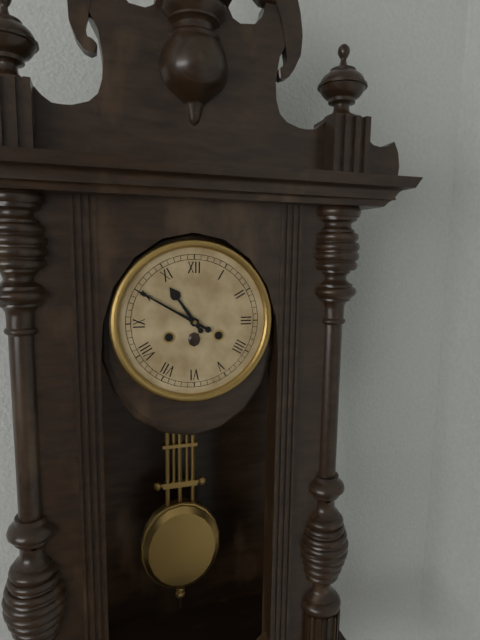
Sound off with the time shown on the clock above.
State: 10:50
